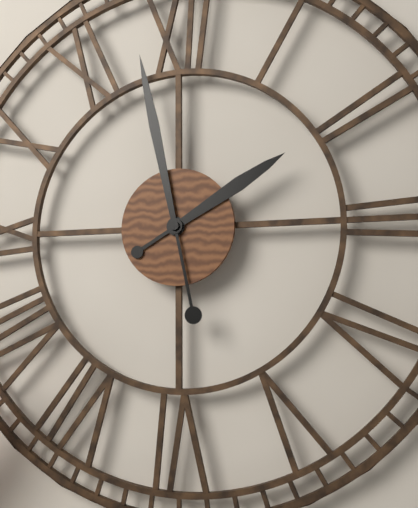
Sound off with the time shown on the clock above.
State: 1:58
